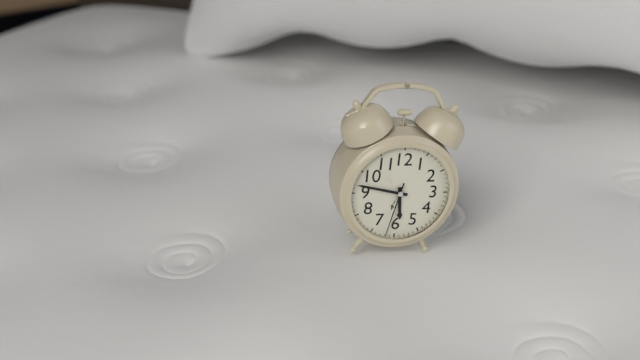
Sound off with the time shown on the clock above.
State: 5:47:32
